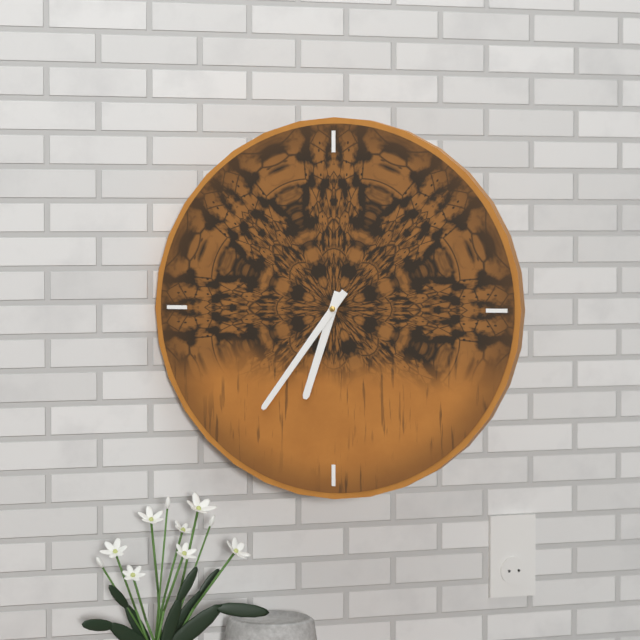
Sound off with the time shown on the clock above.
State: 6:36
